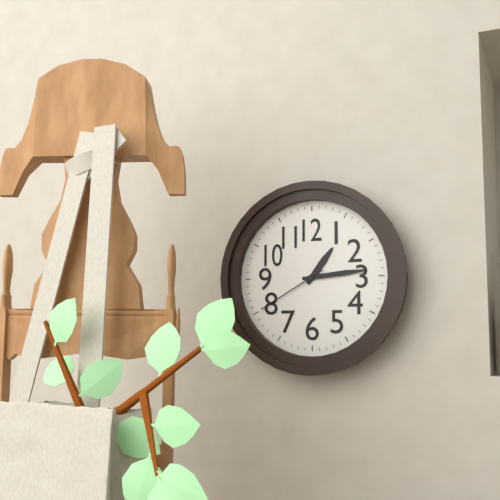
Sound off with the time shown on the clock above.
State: 1:14:40
